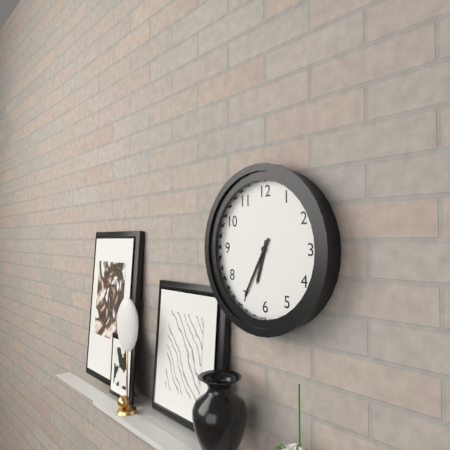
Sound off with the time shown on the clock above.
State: 6:35
